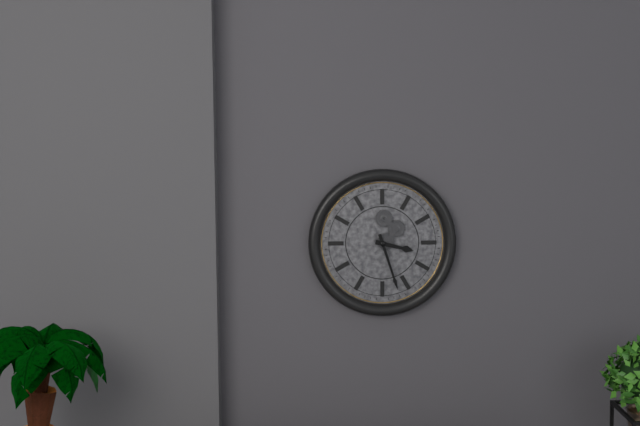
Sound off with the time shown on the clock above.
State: 3:27
